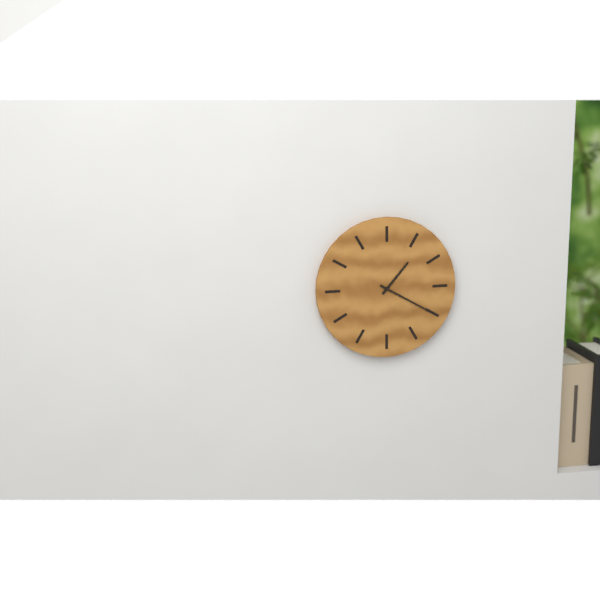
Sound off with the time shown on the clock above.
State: 1:20
